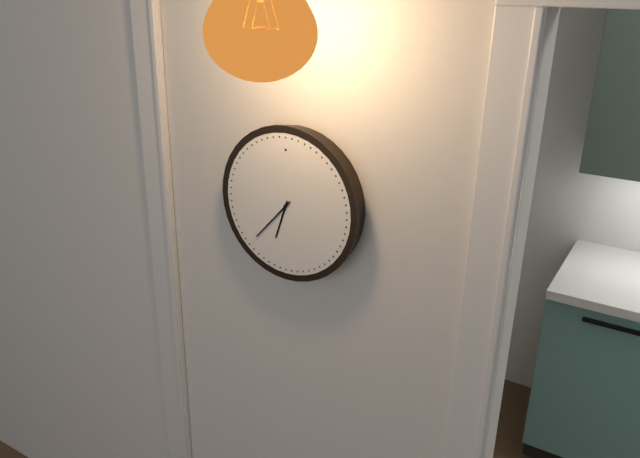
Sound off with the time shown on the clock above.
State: 6:37
